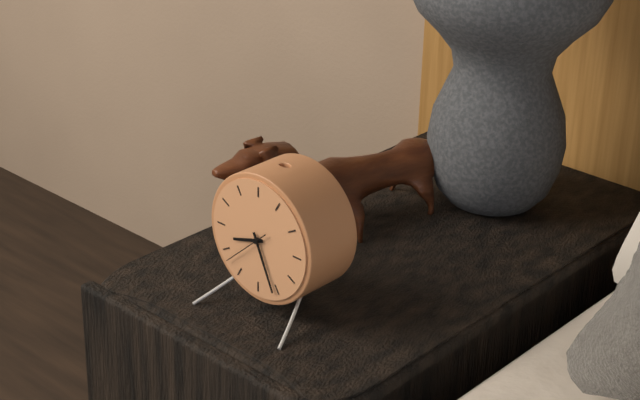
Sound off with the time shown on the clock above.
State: 8:26
